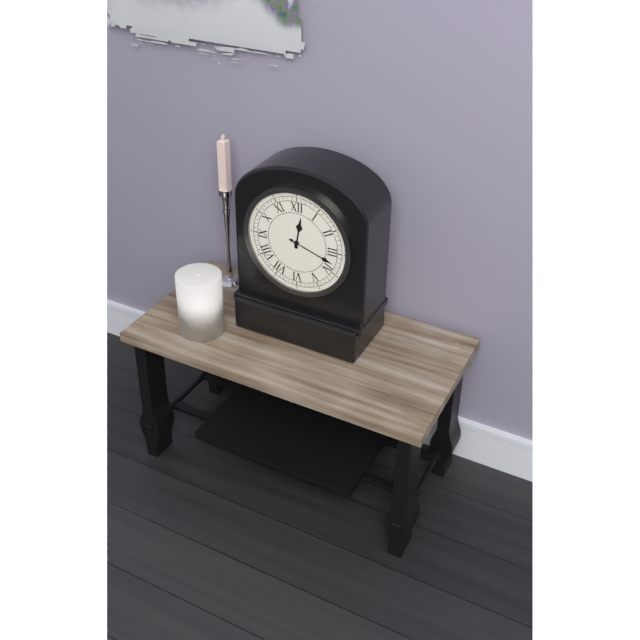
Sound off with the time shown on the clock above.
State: 12:18
